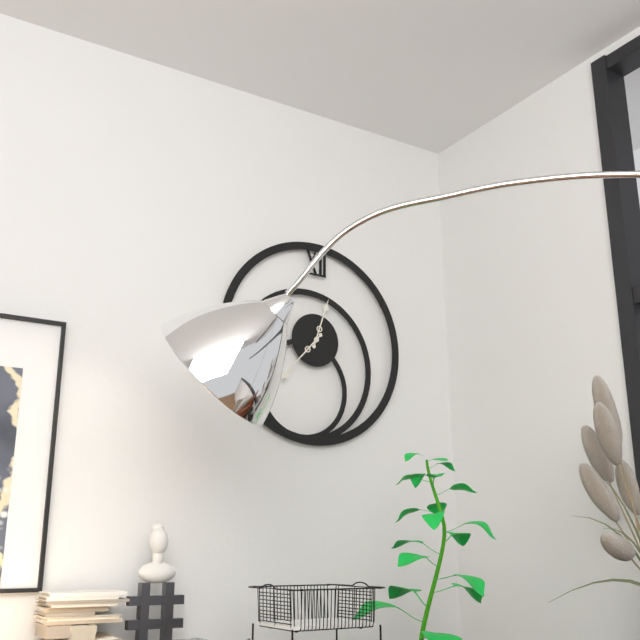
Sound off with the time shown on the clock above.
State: 12:37
